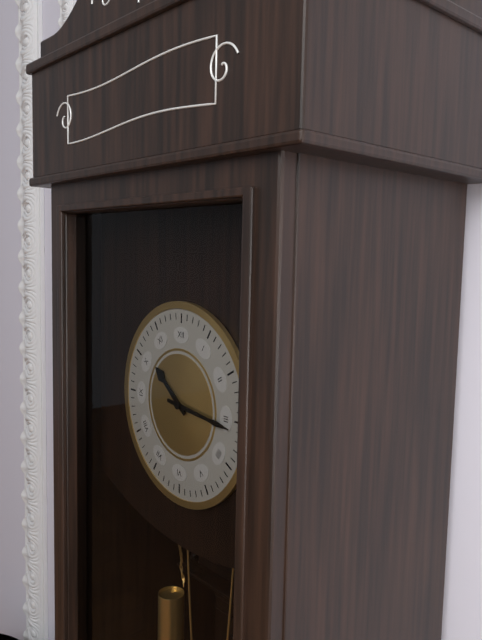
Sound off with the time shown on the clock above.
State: 10:16
